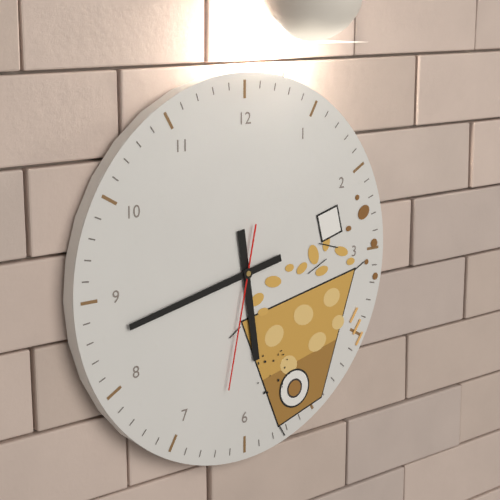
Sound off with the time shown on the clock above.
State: 5:43:32
